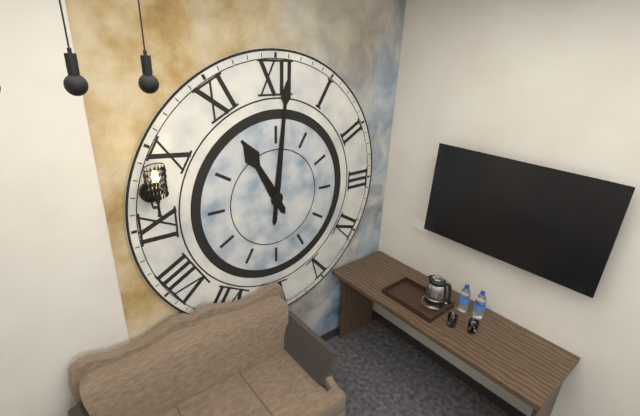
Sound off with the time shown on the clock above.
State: 11:01
